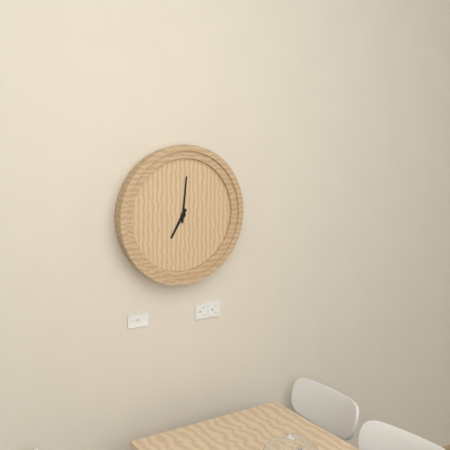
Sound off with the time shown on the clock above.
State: 7:01
